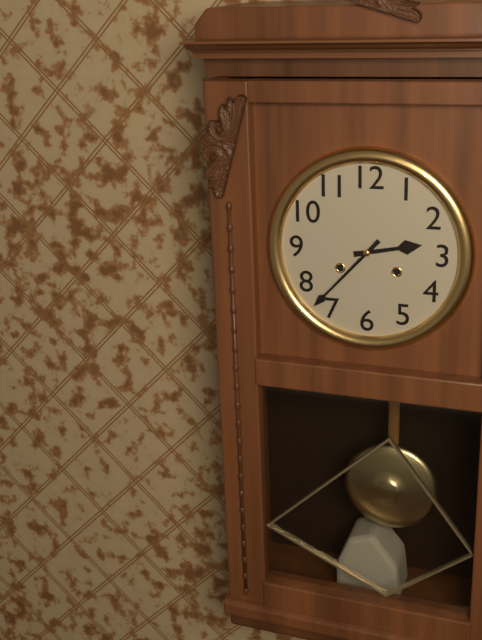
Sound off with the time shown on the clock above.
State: 2:37
